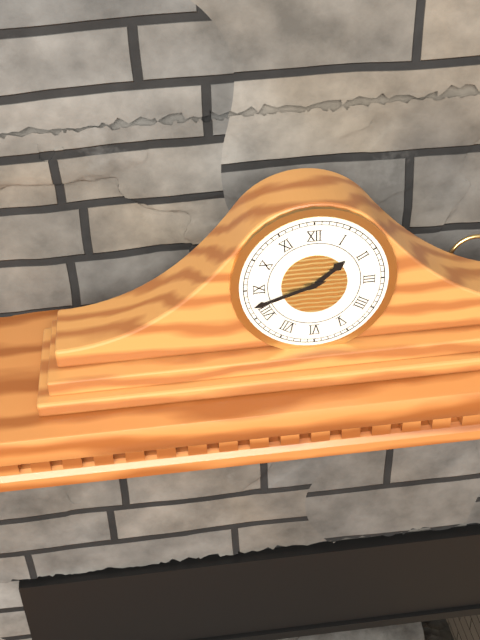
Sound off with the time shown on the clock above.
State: 1:42
